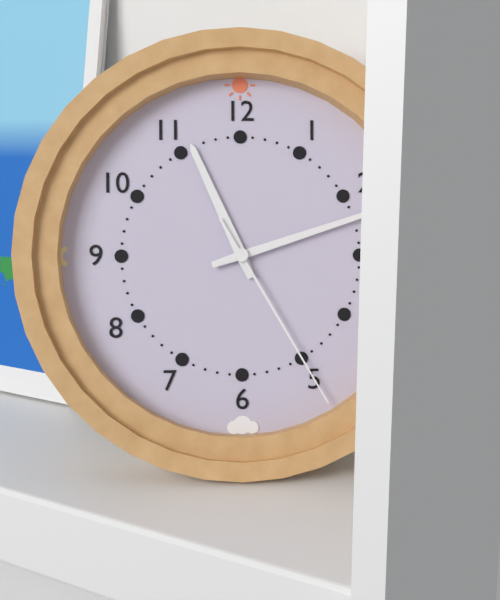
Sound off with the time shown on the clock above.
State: 11:12:25
